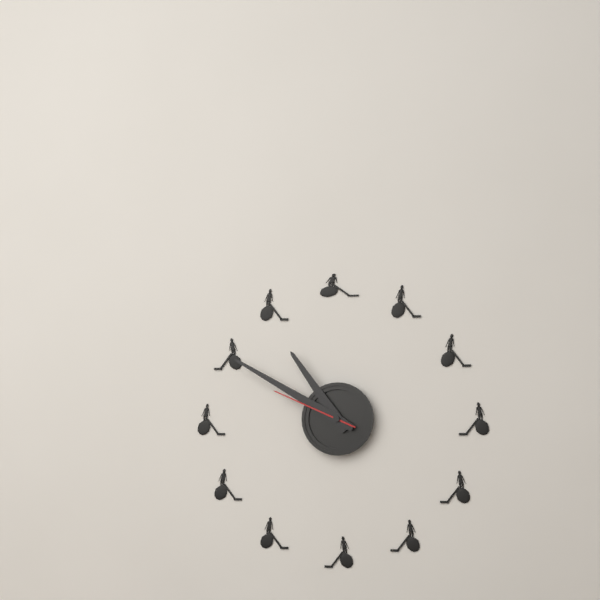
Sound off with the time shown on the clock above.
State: 10:50:49
